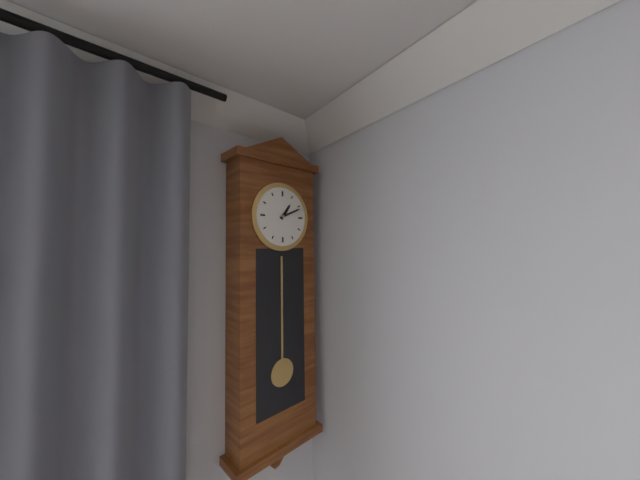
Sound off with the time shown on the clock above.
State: 1:11
